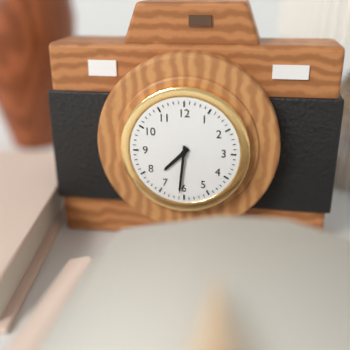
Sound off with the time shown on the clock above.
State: 7:31
